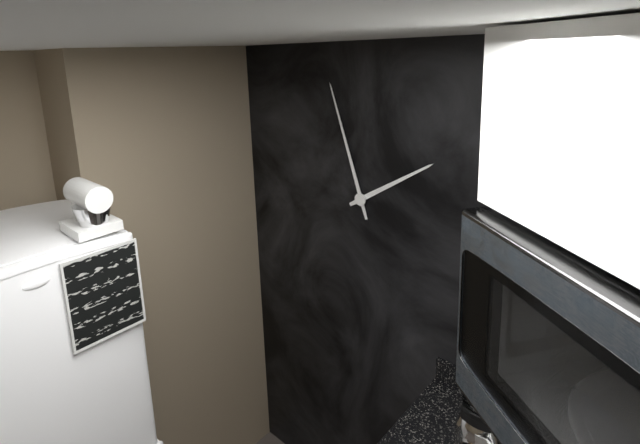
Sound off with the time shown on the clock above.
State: 1:57
